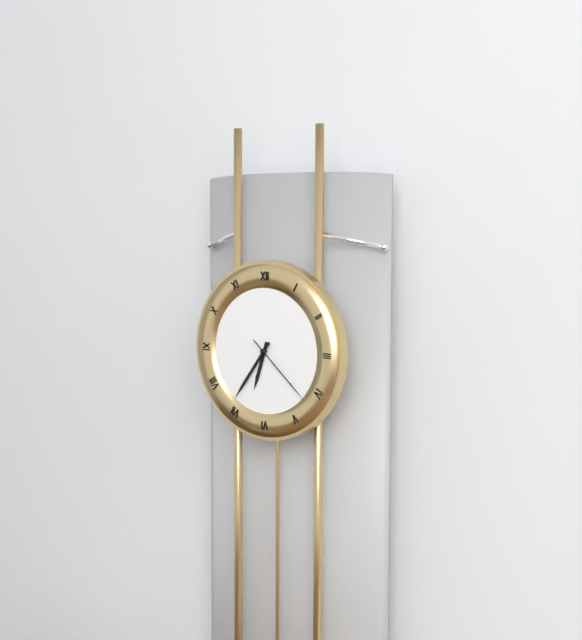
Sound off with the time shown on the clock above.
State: 6:36:22
